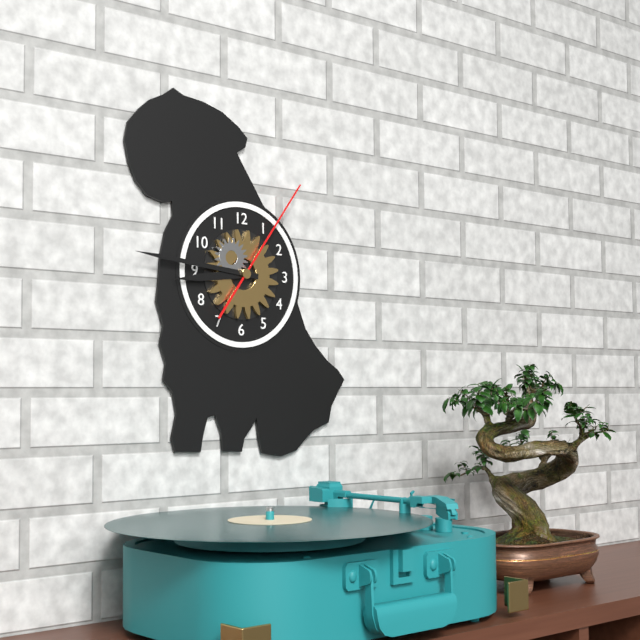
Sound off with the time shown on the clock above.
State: 8:46:06
